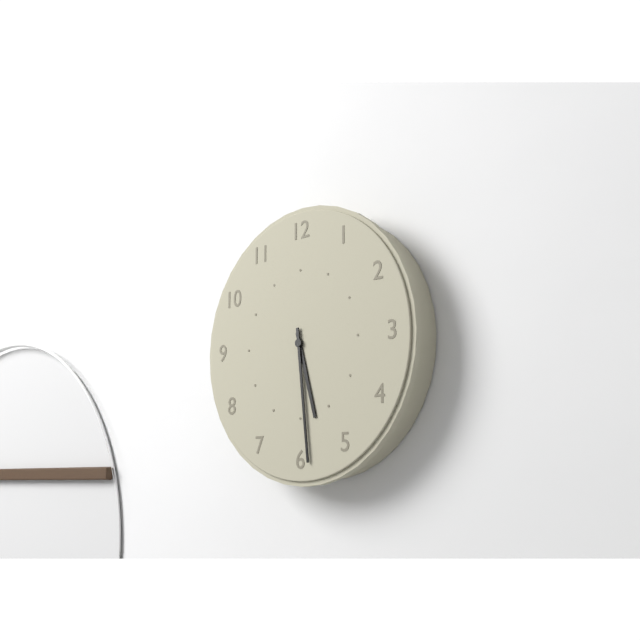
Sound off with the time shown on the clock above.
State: 5:29
